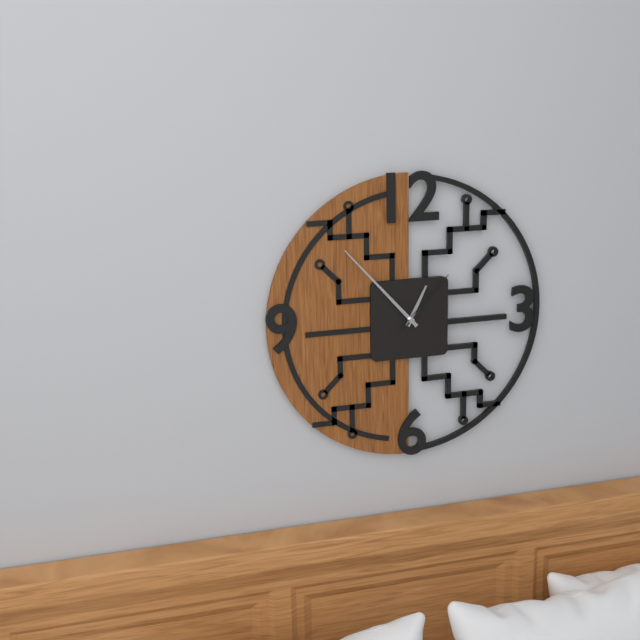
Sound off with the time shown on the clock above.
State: 12:53:07
